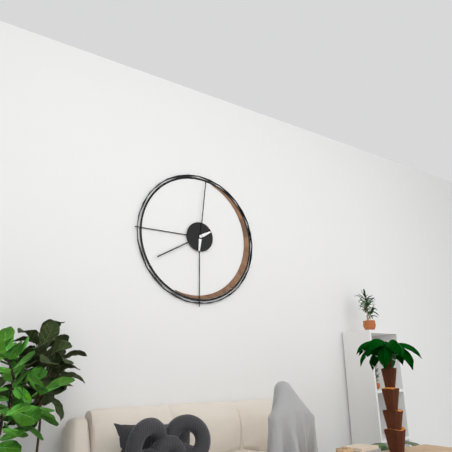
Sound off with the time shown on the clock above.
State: 8:01
